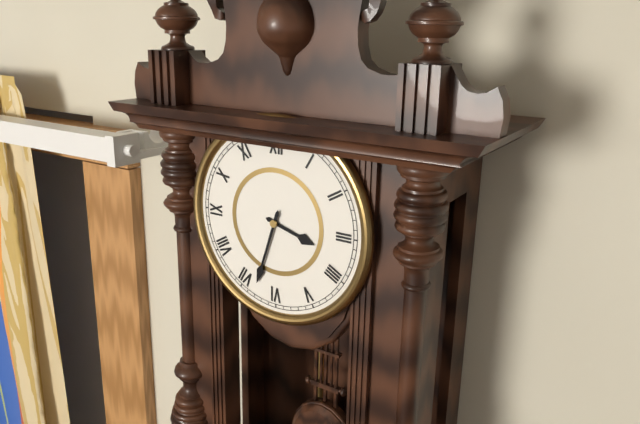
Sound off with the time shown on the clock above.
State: 3:33
